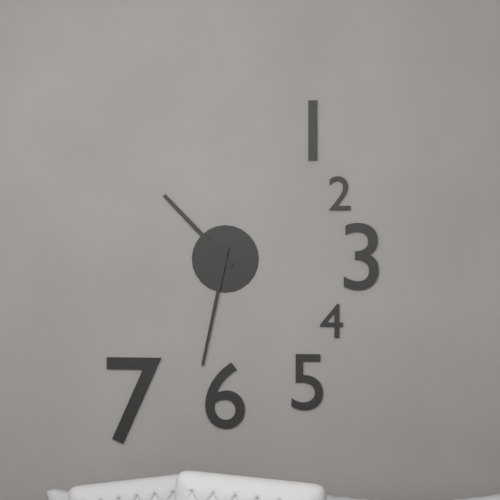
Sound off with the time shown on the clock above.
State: 10:32
